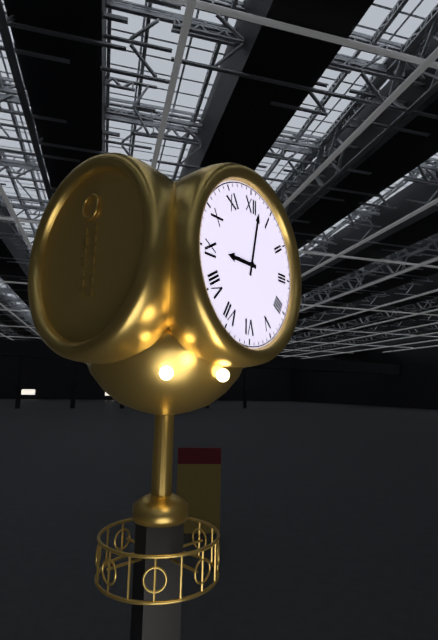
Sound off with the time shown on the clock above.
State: 9:02
